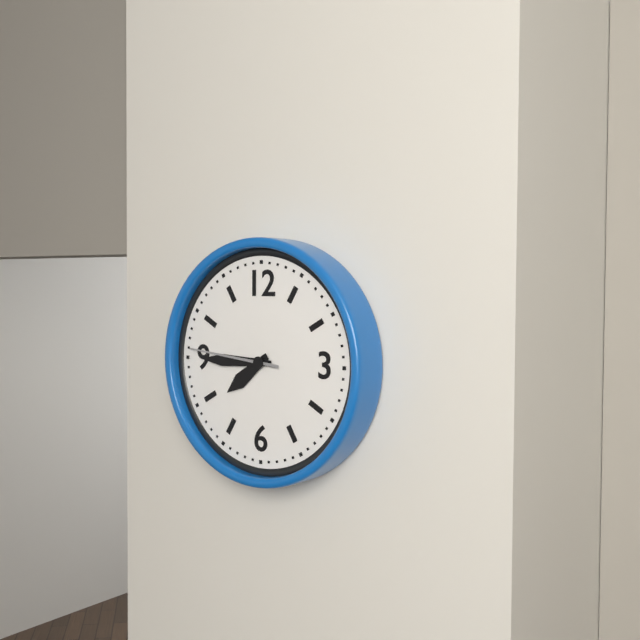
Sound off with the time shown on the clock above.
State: 7:45:46
